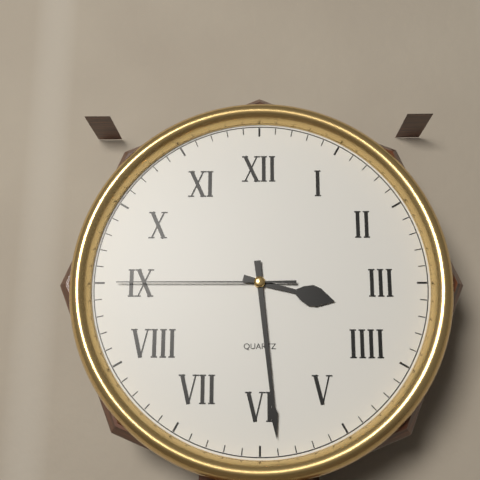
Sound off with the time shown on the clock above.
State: 3:29:45
